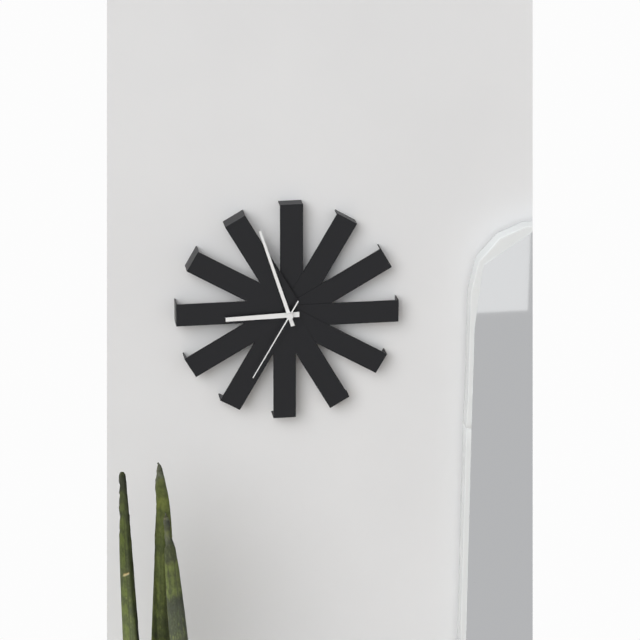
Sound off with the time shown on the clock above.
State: 8:57:35
